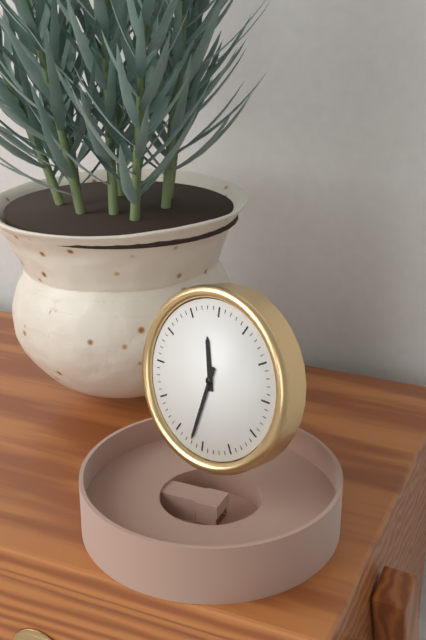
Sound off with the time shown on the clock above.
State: 11:32
